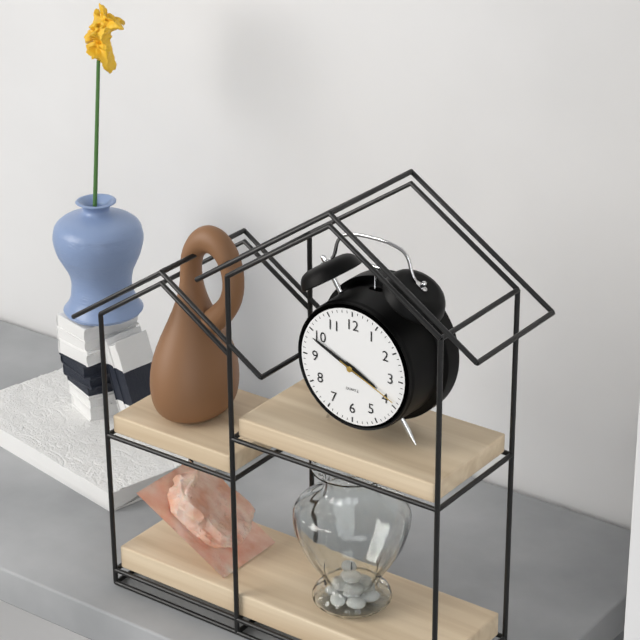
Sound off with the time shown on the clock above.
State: 3:49:19
